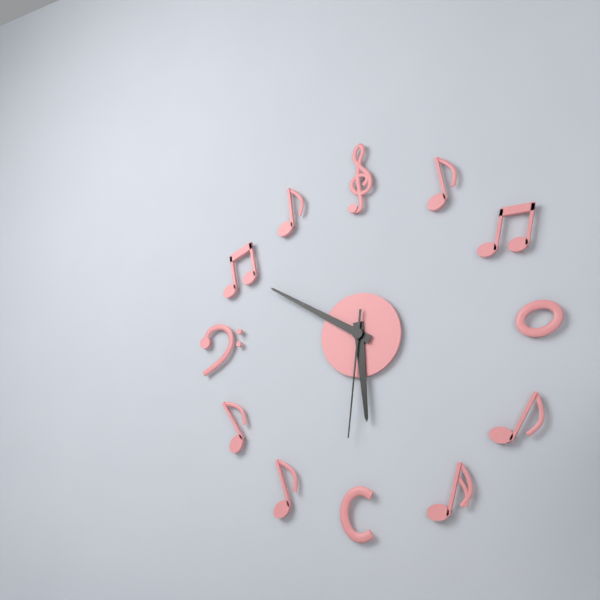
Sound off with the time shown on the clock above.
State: 5:50:31
